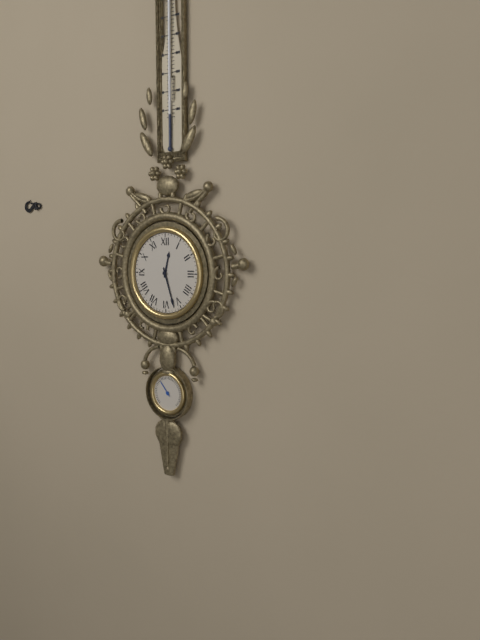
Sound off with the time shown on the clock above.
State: 12:27
